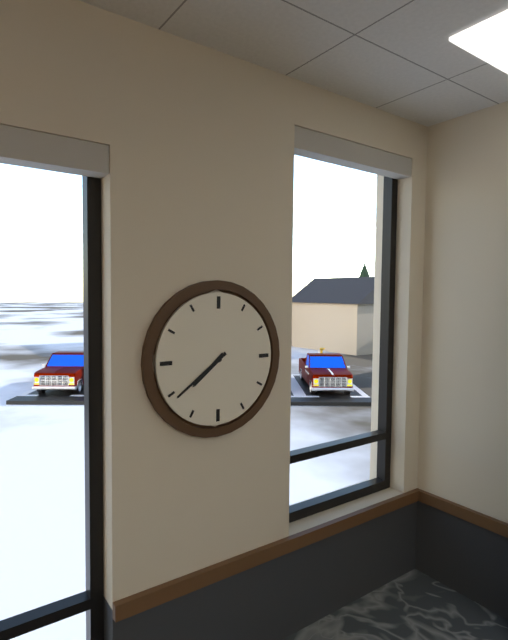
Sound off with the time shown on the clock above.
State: 7:39
